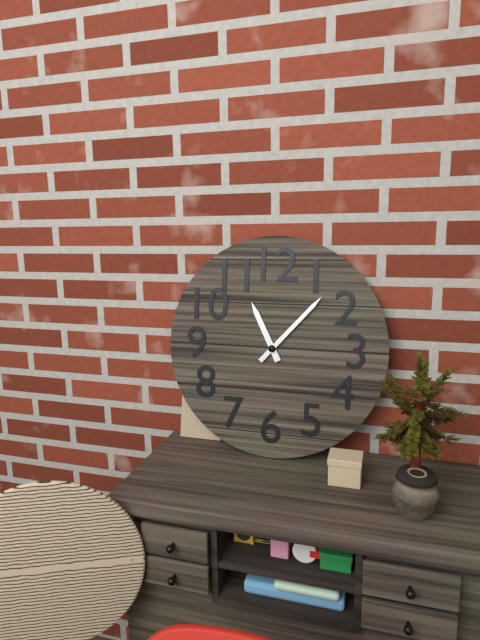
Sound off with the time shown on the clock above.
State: 11:07
